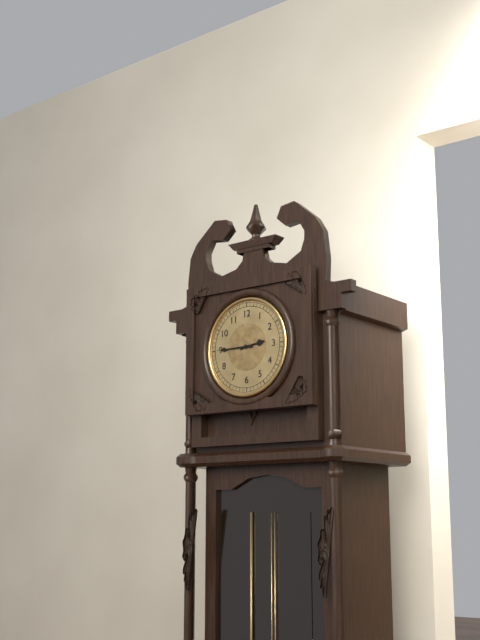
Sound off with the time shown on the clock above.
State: 2:45
